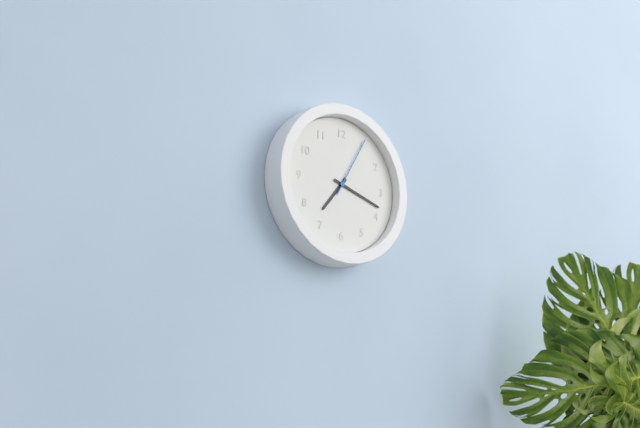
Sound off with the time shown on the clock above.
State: 7:18:05
